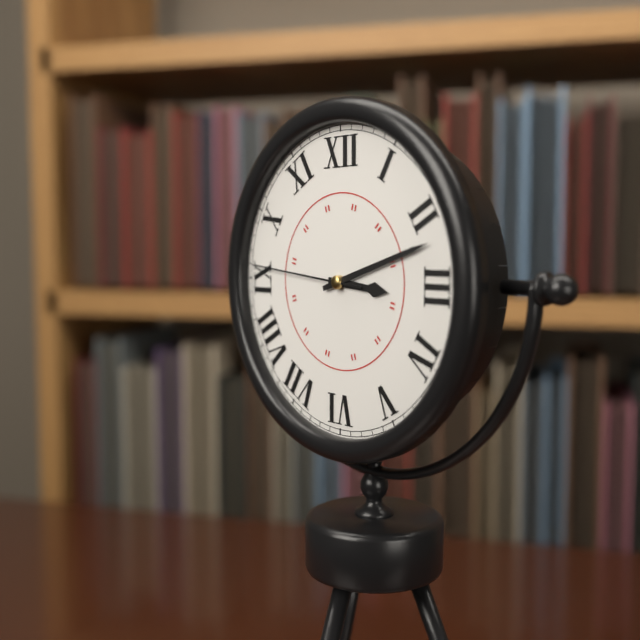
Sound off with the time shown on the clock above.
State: 3:12:46
